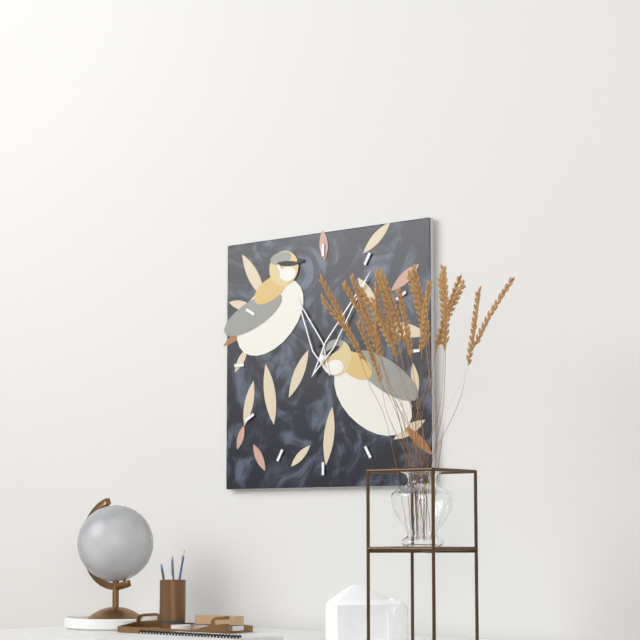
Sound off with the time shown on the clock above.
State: 11:06
